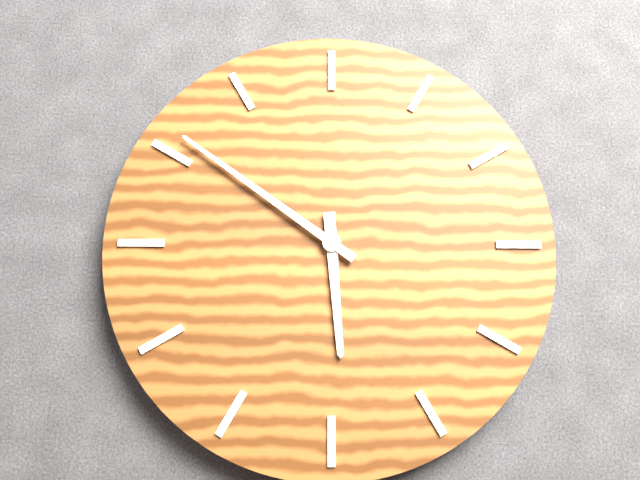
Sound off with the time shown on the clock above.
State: 5:51
